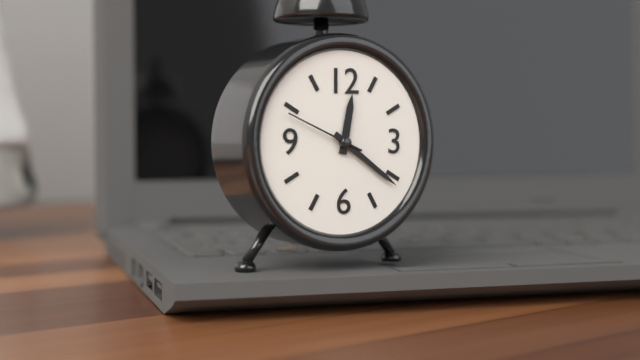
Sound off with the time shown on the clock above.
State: 12:21:49
